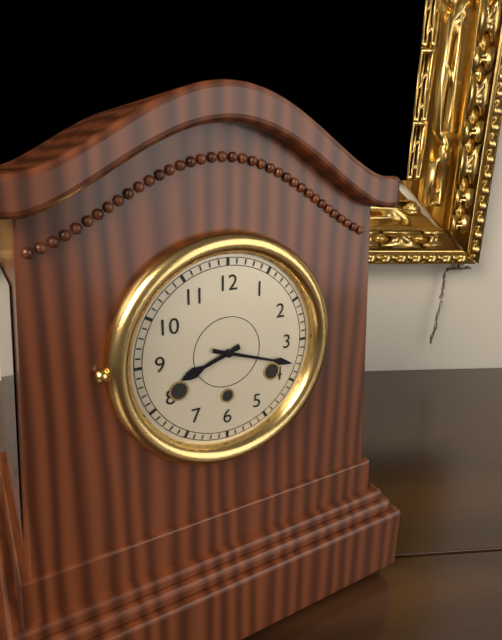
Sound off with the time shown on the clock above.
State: 8:18
